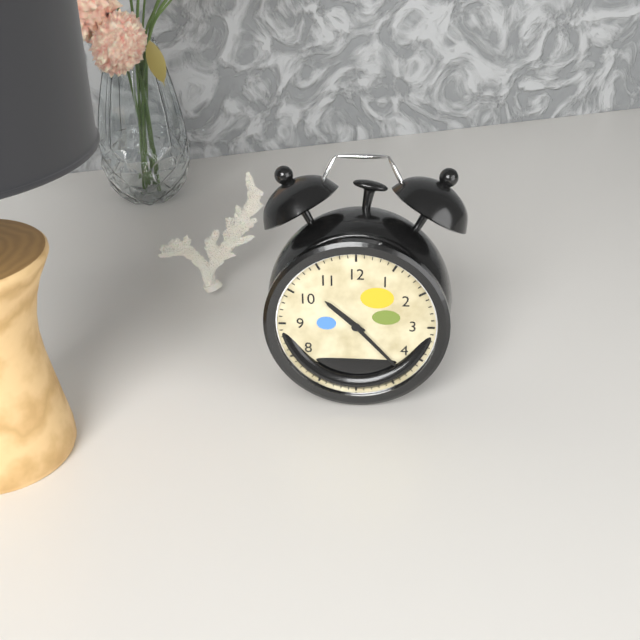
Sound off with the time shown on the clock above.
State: 10:23
